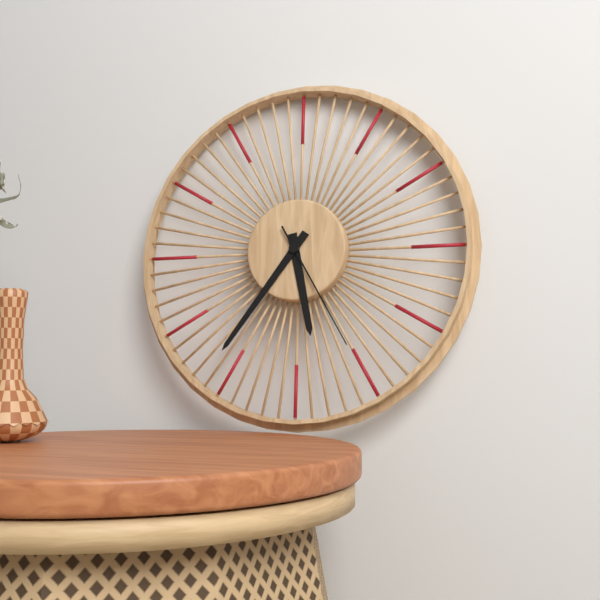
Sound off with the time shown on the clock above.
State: 5:36:25
